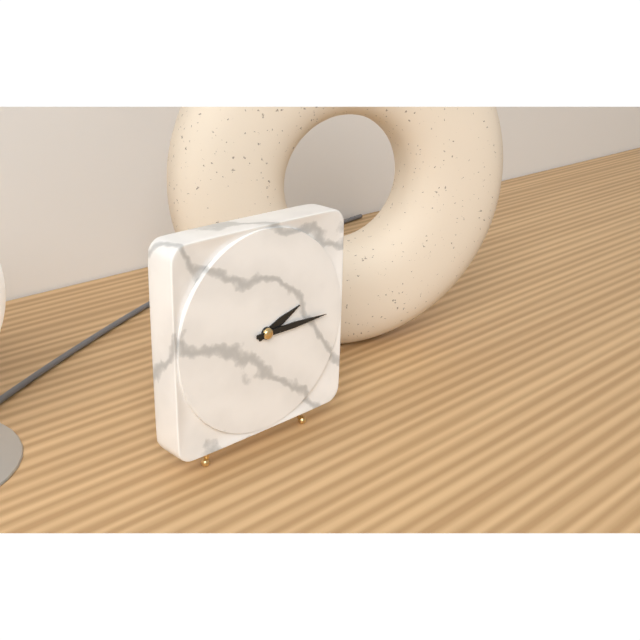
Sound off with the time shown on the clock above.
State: 2:15
